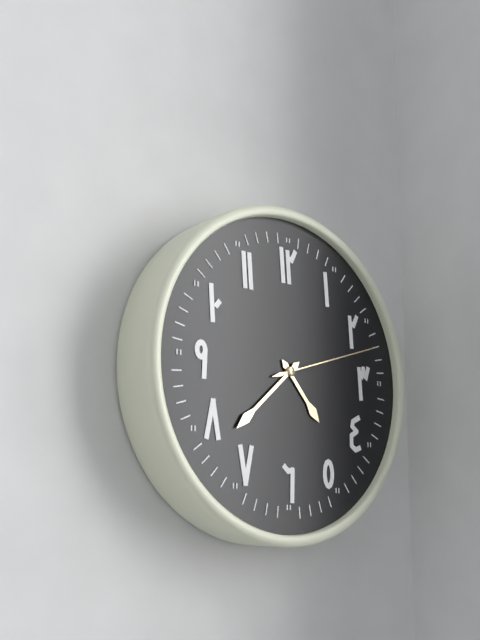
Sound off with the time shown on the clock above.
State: 4:38:12
